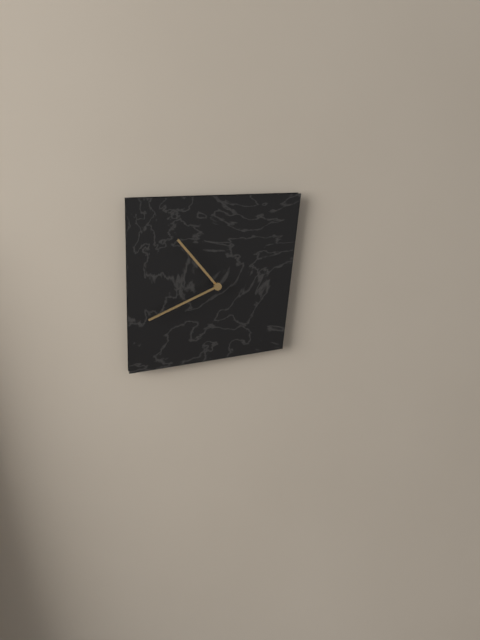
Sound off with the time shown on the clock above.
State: 10:41
